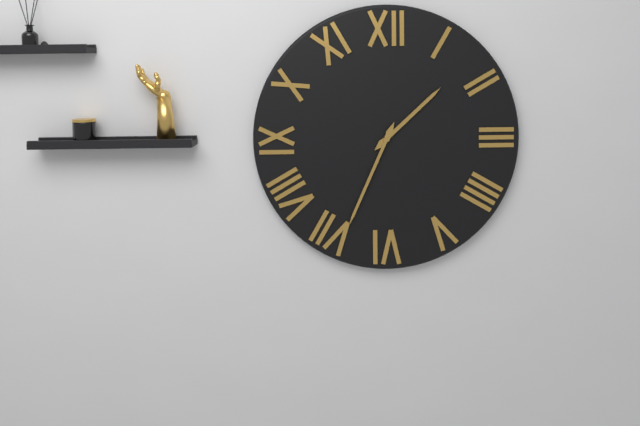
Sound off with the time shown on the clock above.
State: 1:34
